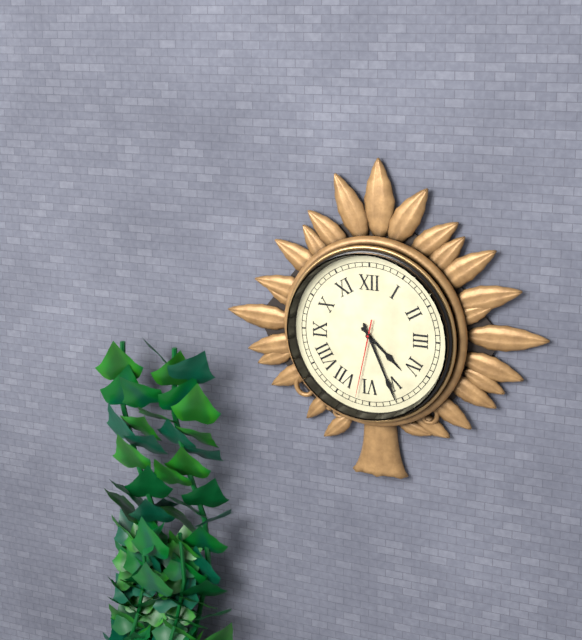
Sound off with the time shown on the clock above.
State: 4:26:32
